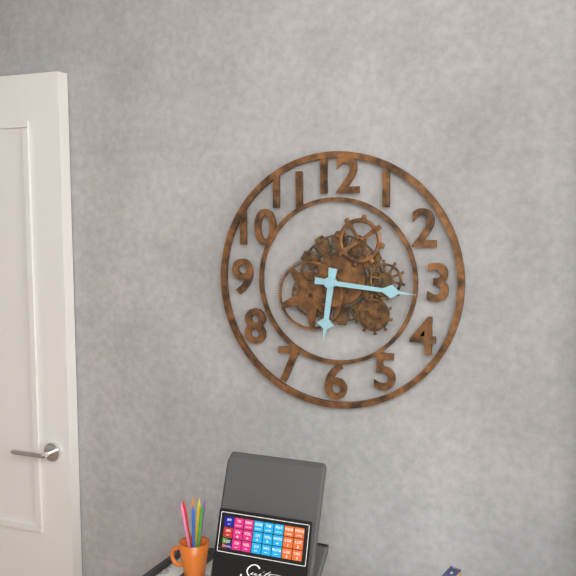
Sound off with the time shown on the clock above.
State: 6:16
